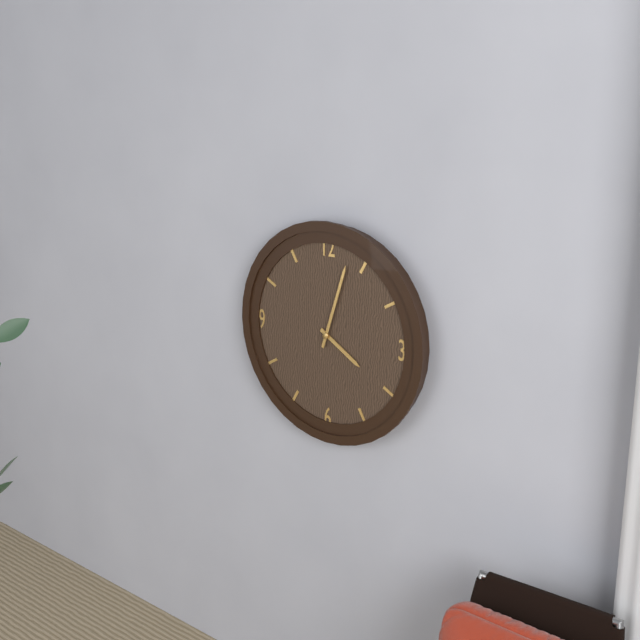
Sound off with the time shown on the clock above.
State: 4:03
